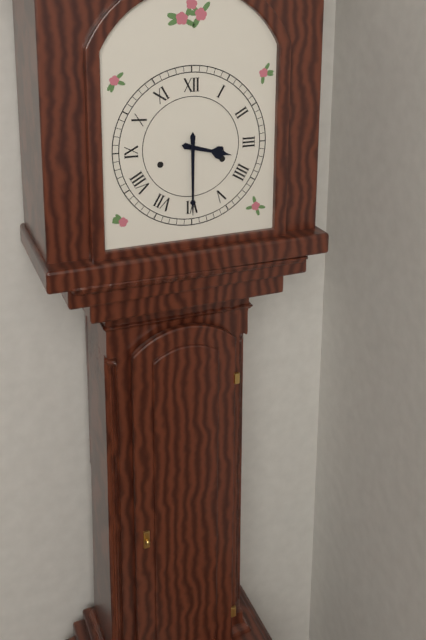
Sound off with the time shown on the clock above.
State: 3:30
